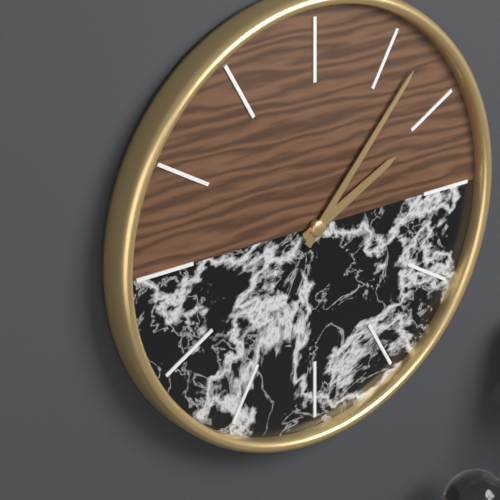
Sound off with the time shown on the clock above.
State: 2:07
